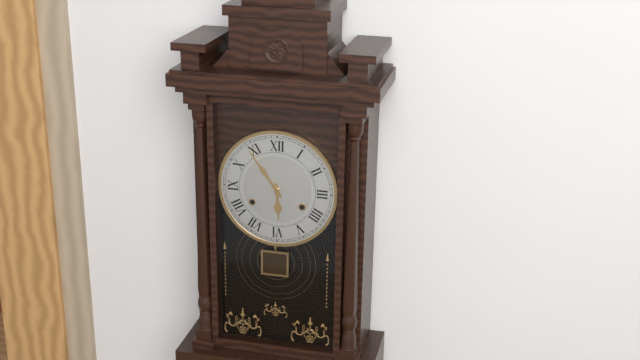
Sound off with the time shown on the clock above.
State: 5:54
